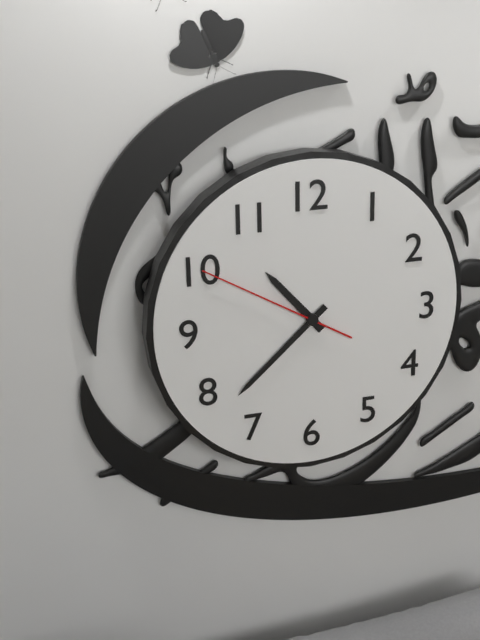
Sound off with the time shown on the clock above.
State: 10:38:50
